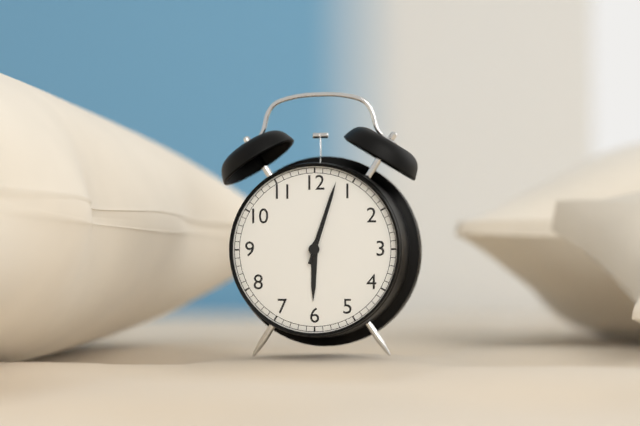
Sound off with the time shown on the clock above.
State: 6:03:03
